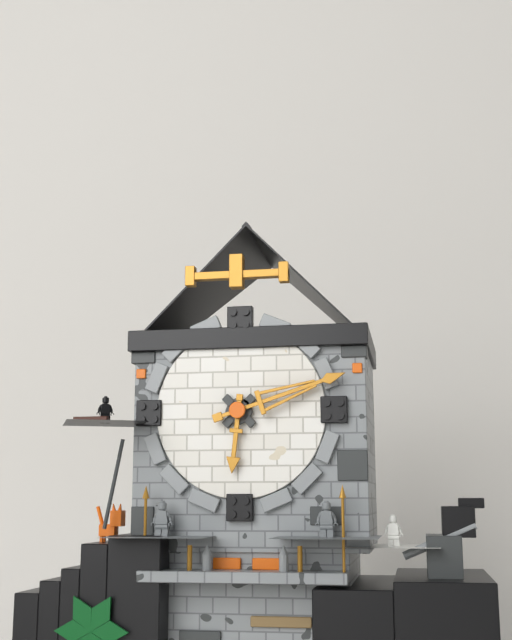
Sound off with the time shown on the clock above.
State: 6:12
